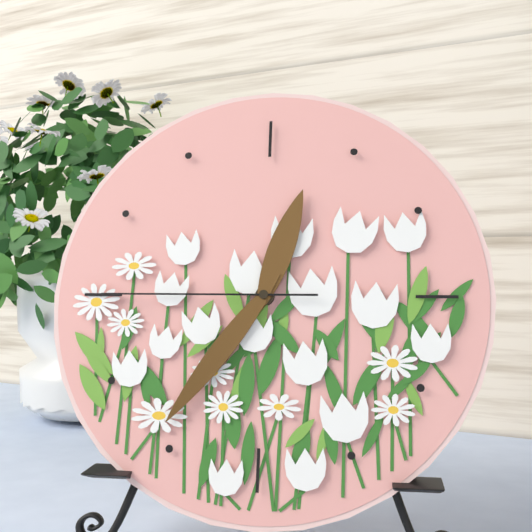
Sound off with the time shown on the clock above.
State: 12:36:45
